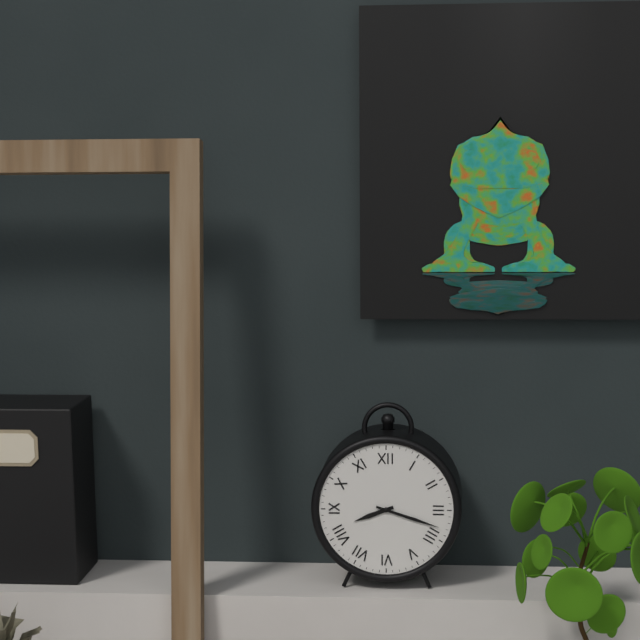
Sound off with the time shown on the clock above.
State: 8:18
